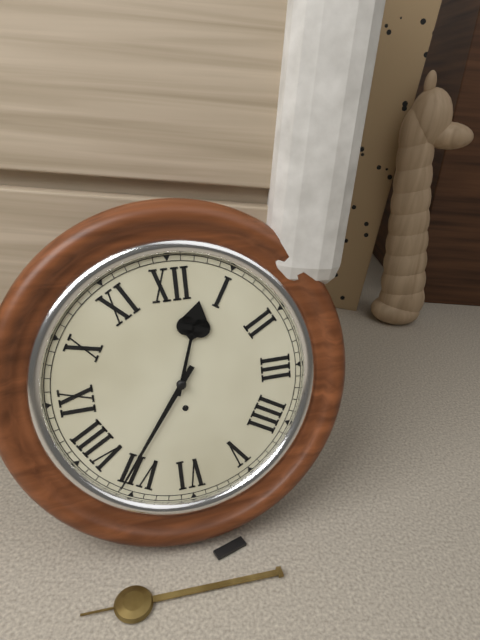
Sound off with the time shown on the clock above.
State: 12:36
